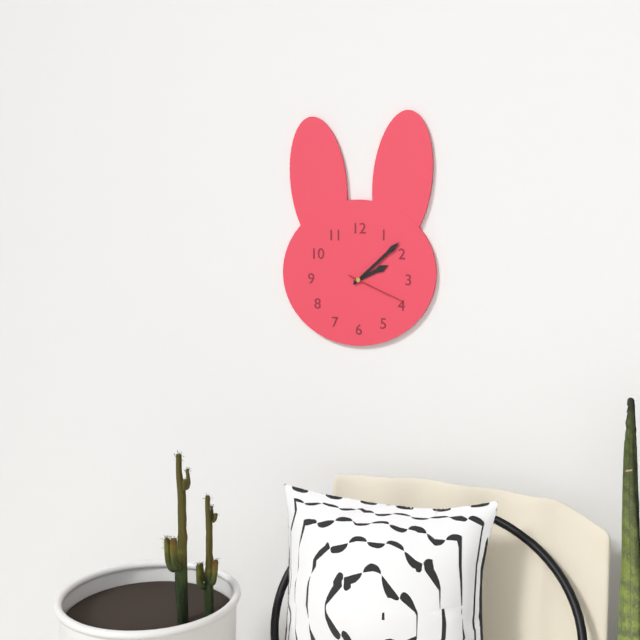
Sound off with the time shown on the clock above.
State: 2:08:19
